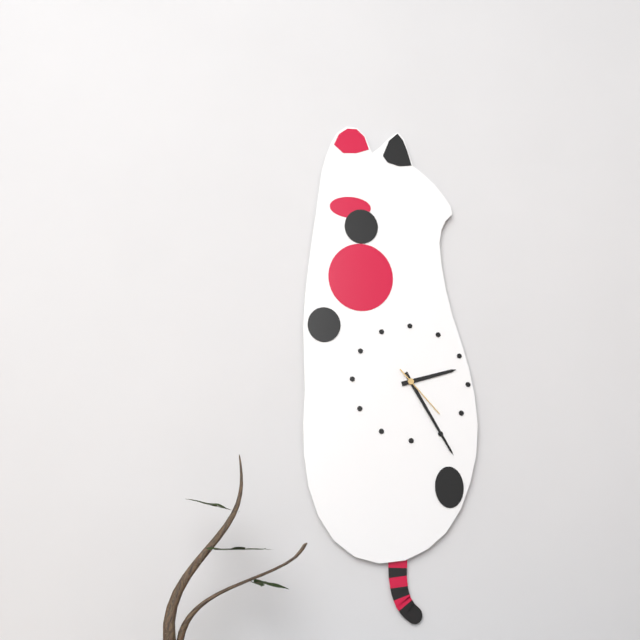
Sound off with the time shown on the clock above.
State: 2:25:23
